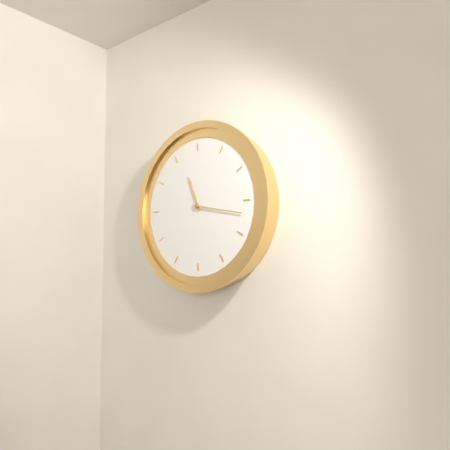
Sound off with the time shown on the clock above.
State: 11:17
